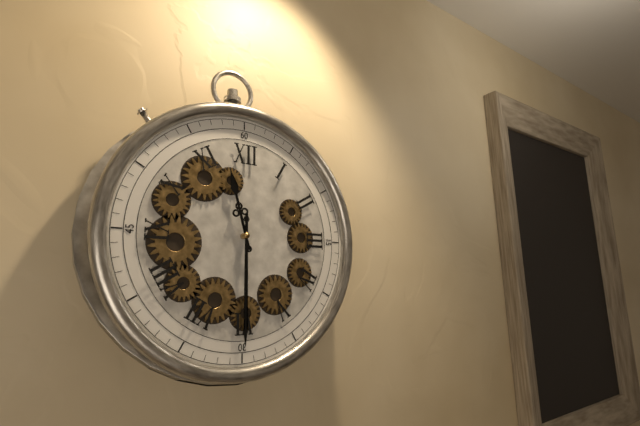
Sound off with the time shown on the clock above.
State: 11:30
